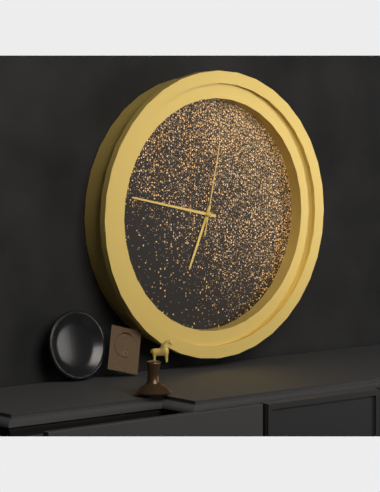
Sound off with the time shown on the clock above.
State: 6:47:02
